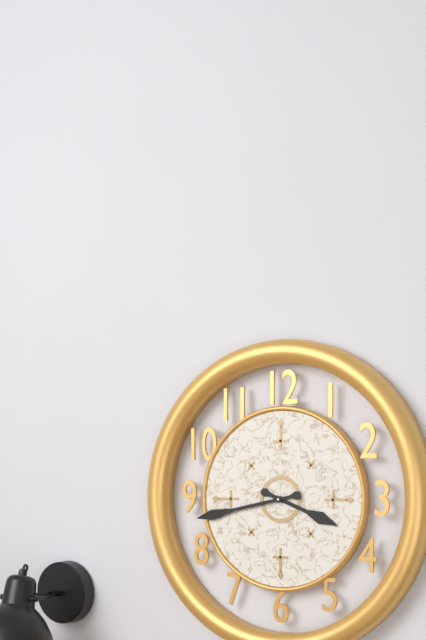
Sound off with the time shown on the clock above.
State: 3:43
